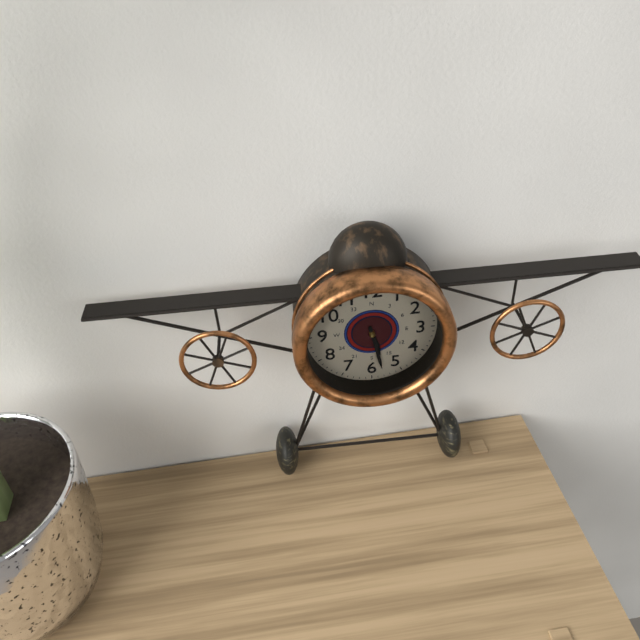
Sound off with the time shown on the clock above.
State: 5:28
